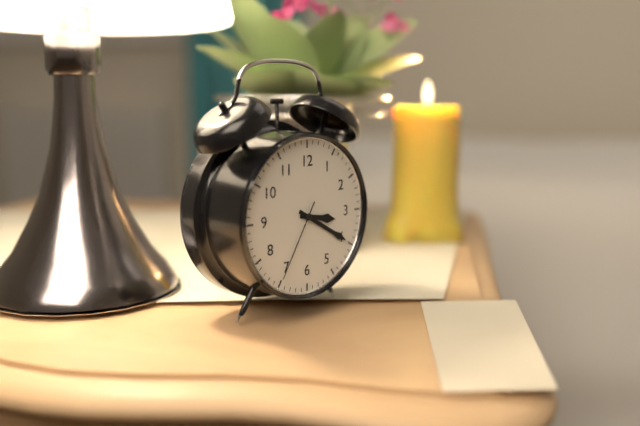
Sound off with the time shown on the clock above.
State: 3:20:35
